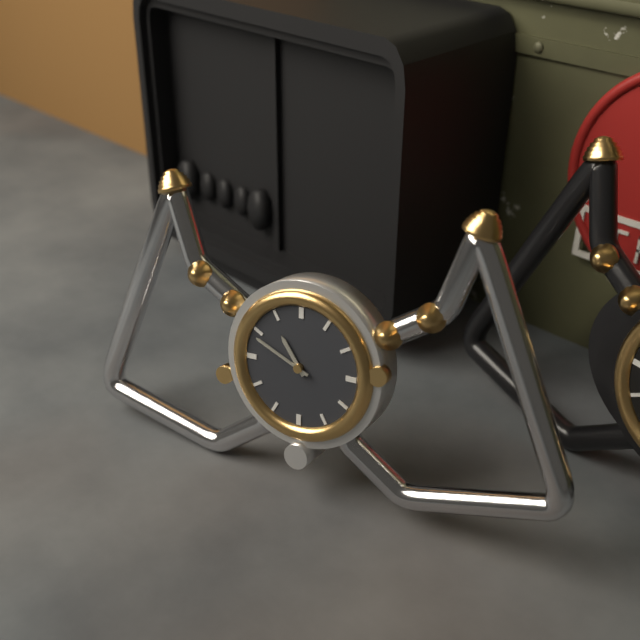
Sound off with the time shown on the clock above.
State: 10:49
